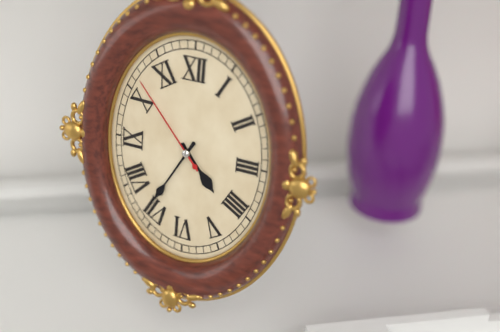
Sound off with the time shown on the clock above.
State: 4:35:53
